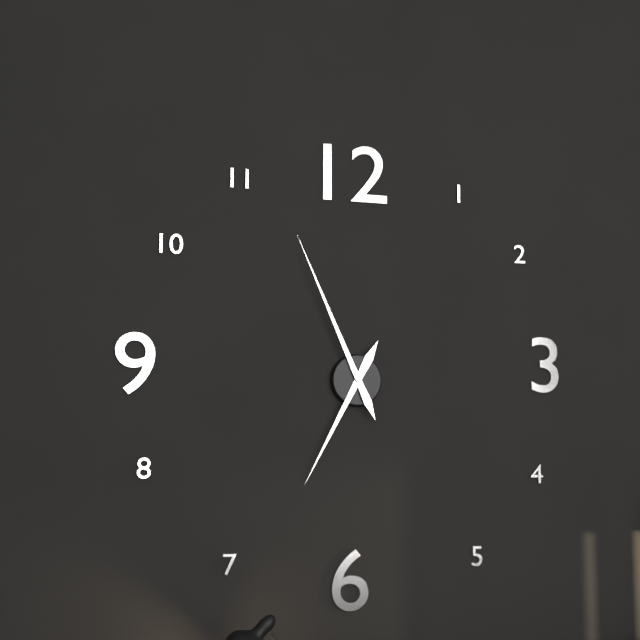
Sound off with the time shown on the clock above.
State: 6:56
